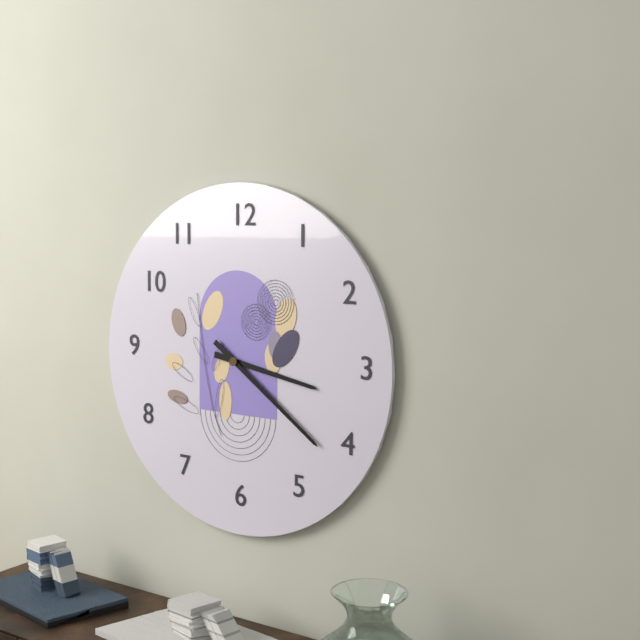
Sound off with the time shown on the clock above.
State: 3:21
